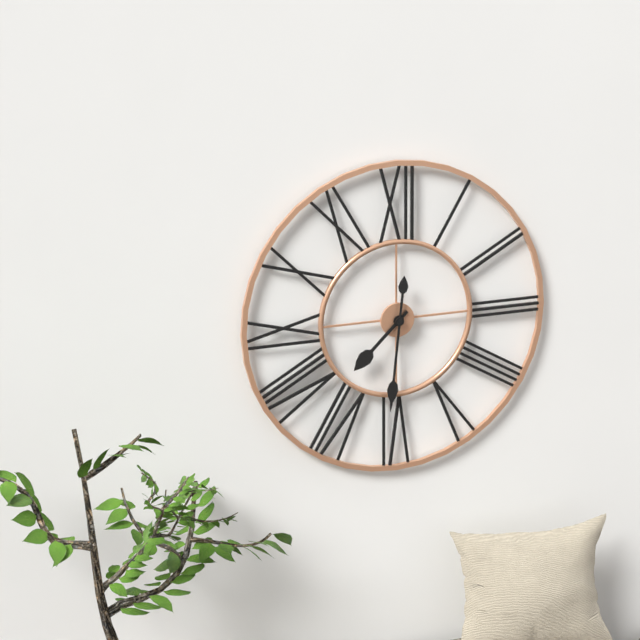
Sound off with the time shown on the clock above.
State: 7:31
